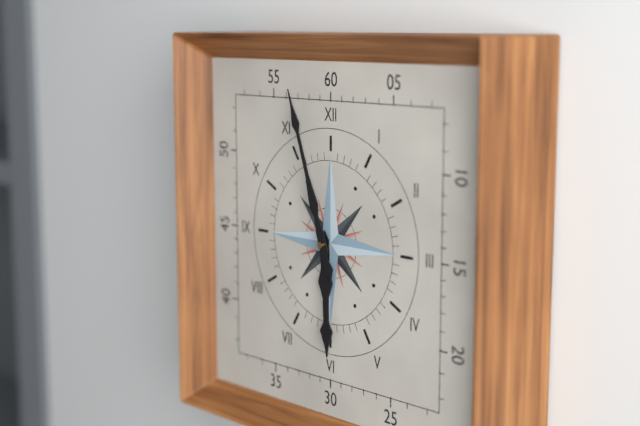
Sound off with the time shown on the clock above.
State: 5:57
